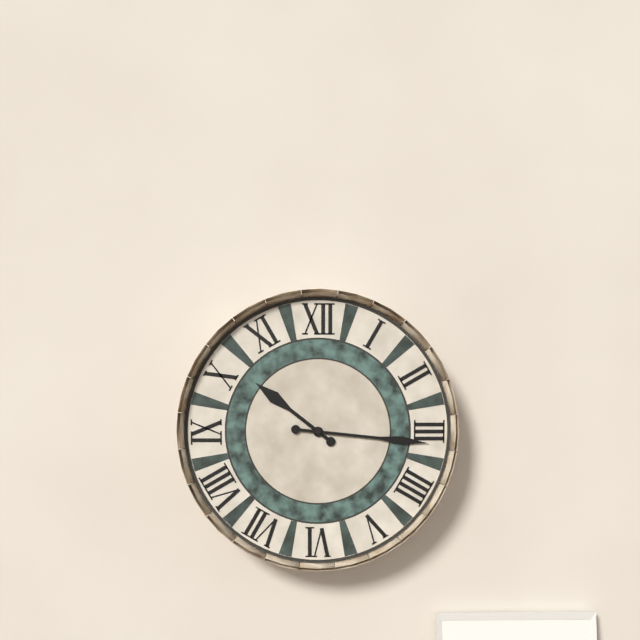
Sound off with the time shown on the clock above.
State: 10:16
